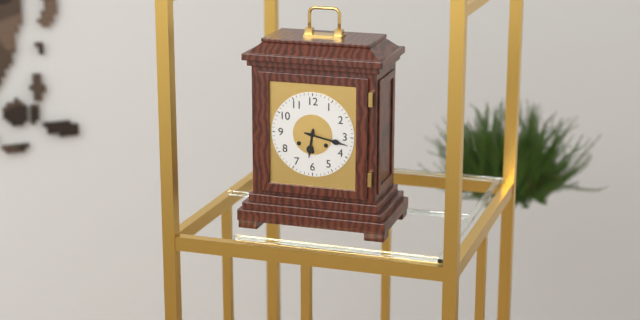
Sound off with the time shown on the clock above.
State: 6:17
